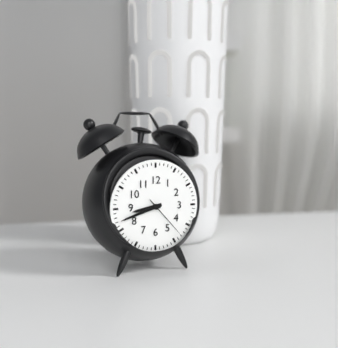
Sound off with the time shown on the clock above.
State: 8:42
